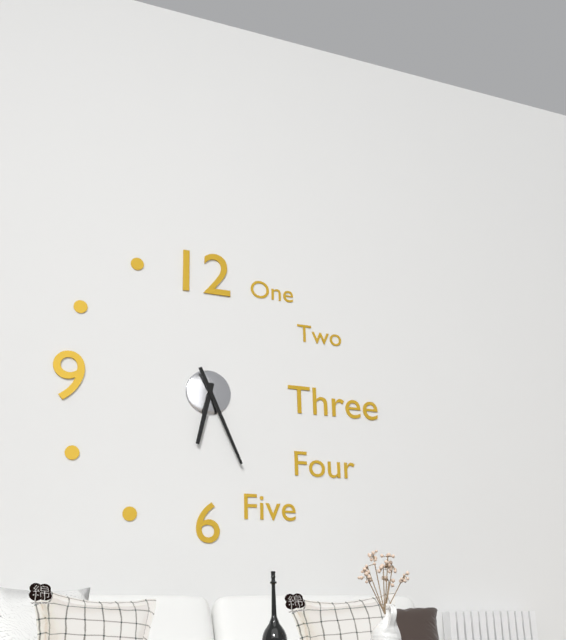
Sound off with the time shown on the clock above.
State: 6:26
